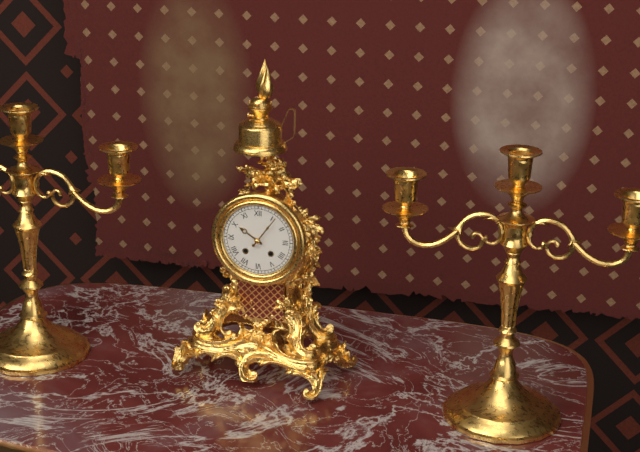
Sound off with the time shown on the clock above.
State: 10:06
